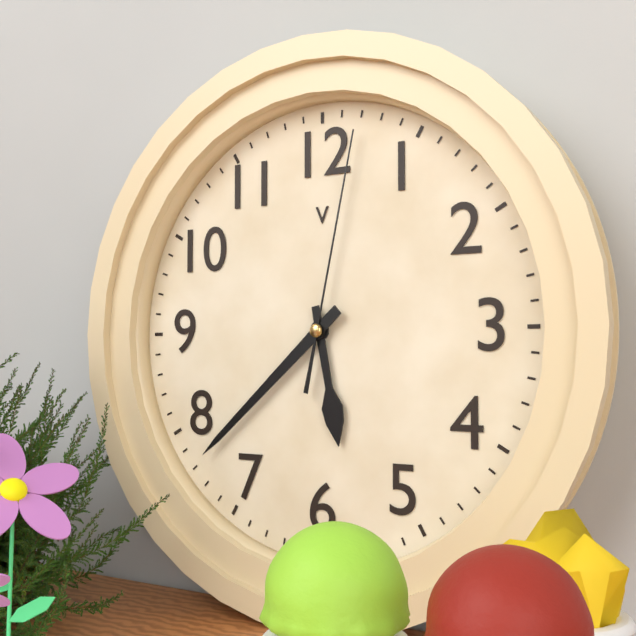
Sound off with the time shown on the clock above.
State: 5:38:02
